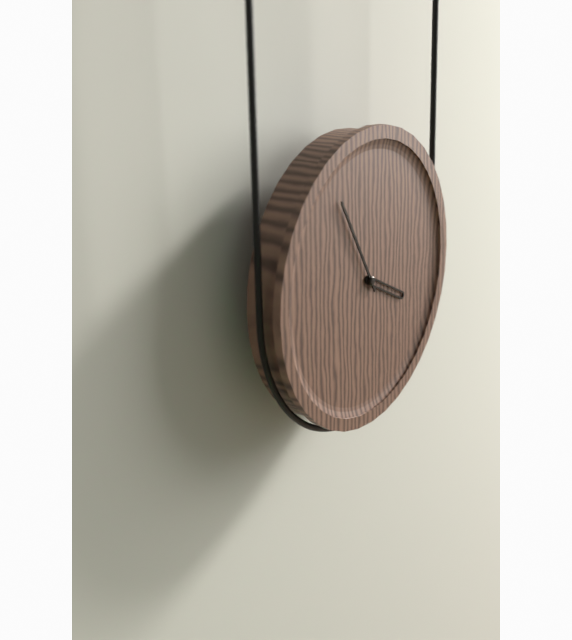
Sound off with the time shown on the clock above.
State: 3:55
